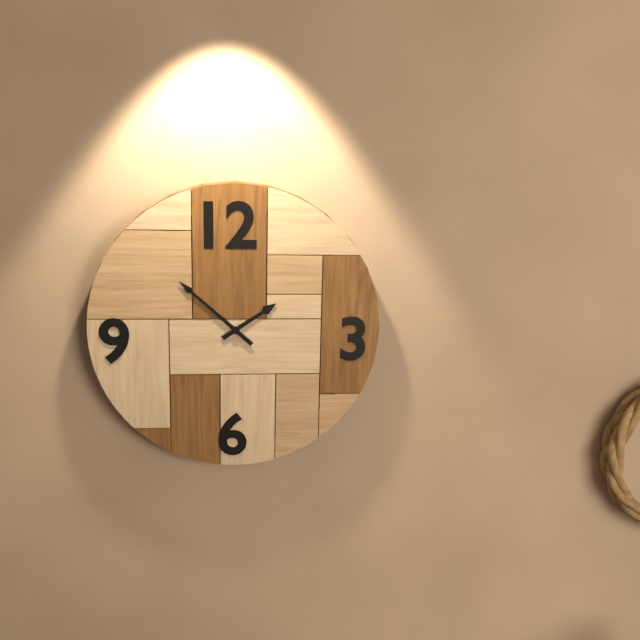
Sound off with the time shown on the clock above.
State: 1:52
